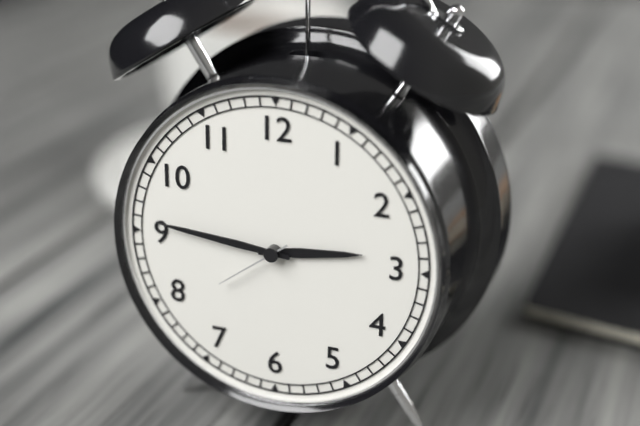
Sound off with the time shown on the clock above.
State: 2:46:39
